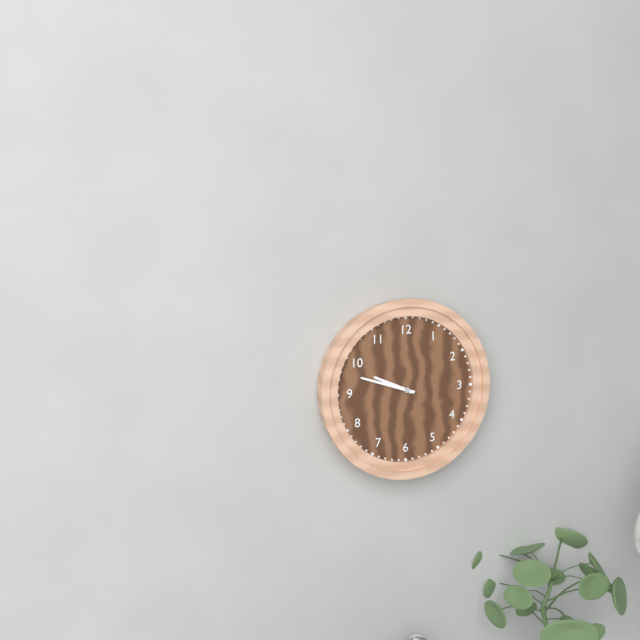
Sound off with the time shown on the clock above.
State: 9:48
